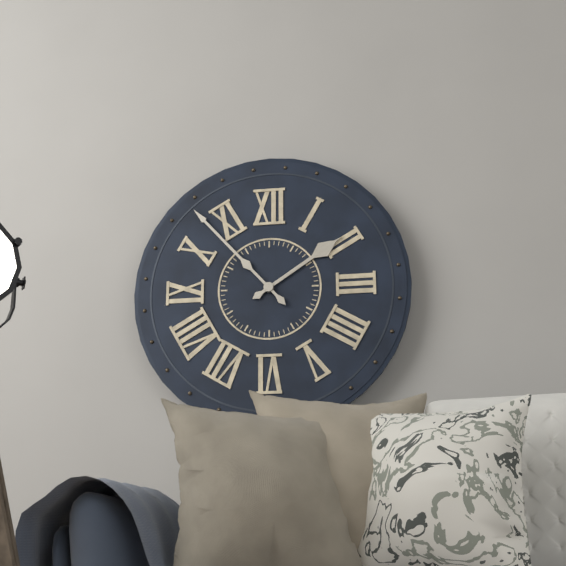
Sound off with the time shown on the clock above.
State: 1:53
